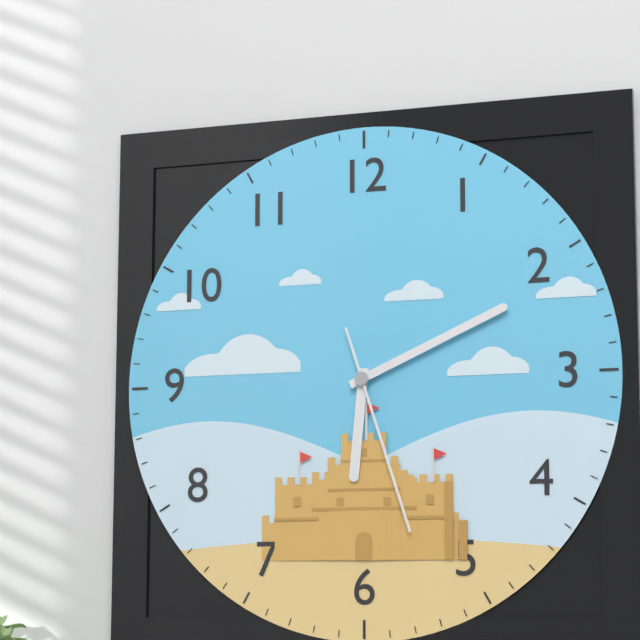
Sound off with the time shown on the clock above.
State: 6:11:27
